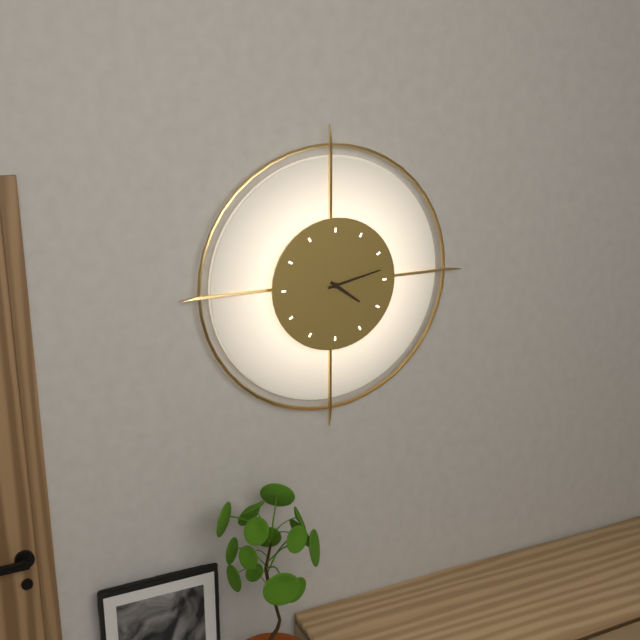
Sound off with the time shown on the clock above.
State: 4:13
